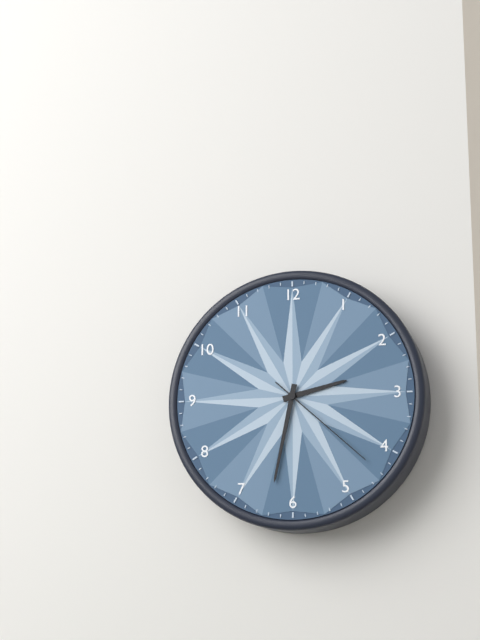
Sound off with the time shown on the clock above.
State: 2:32:22
